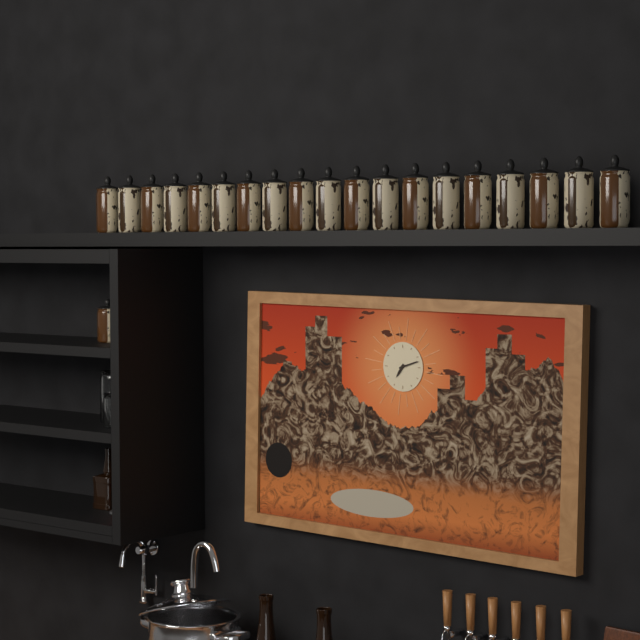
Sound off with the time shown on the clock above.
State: 7:12
